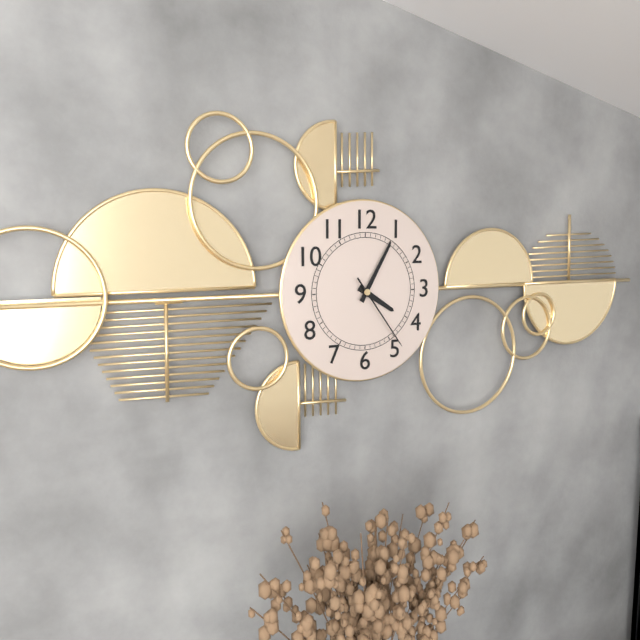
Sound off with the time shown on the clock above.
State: 4:05:24
